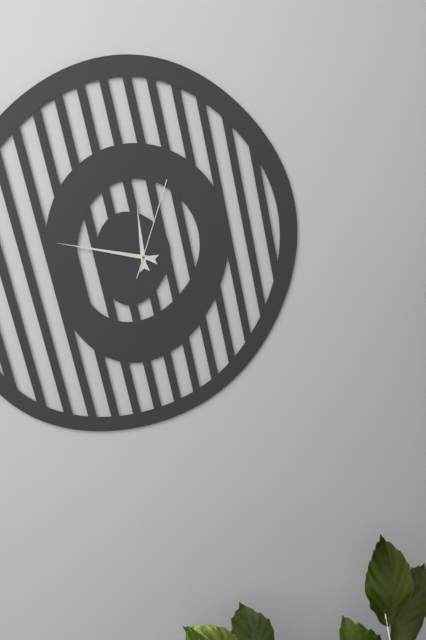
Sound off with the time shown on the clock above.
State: 11:47:03
